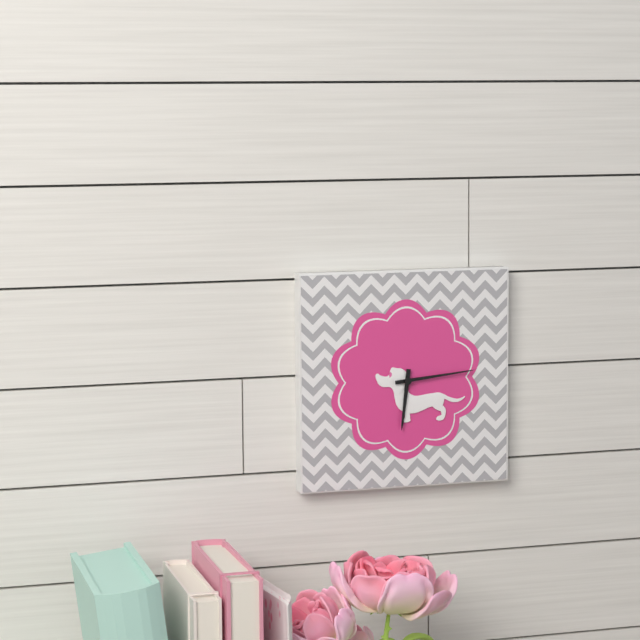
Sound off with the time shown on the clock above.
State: 6:14
